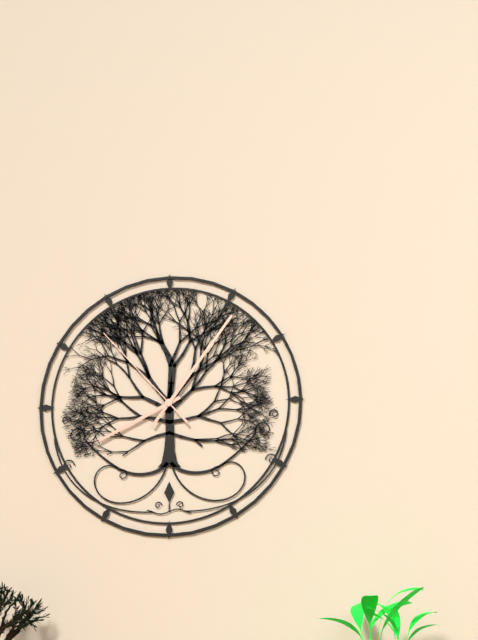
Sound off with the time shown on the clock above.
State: 8:06:53
